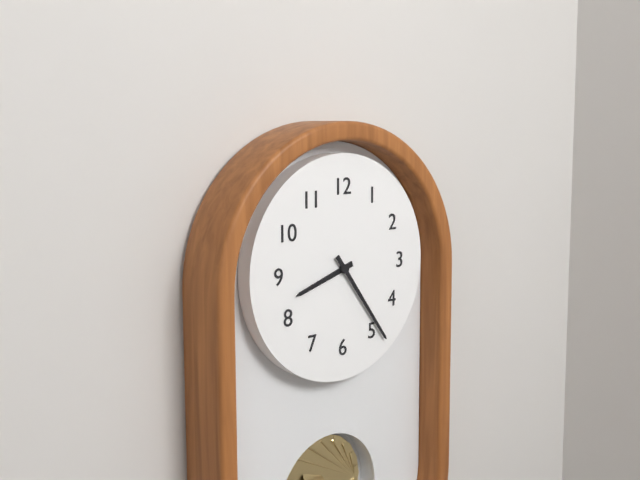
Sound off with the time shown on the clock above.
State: 8:24
